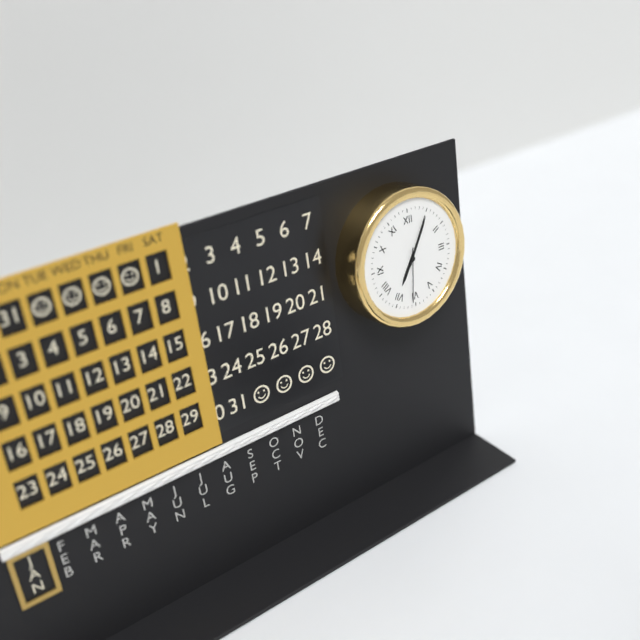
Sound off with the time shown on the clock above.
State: 7:05:31
